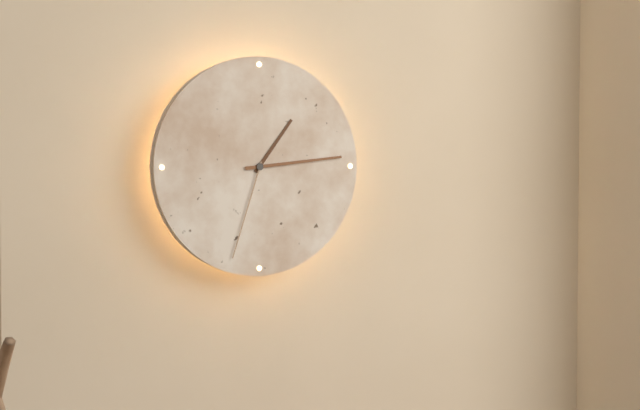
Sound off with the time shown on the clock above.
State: 1:14:33
